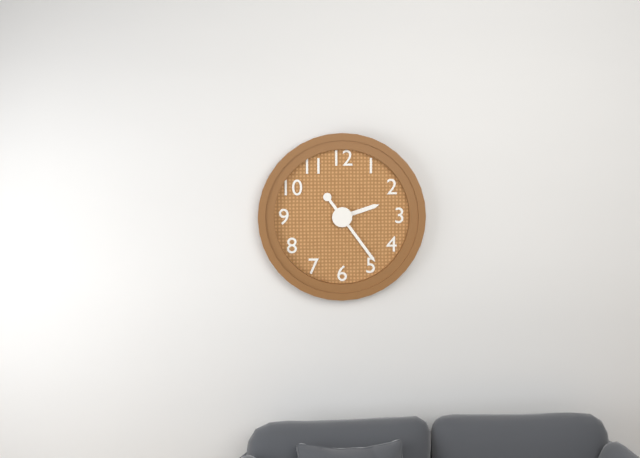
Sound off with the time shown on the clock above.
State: 2:24
